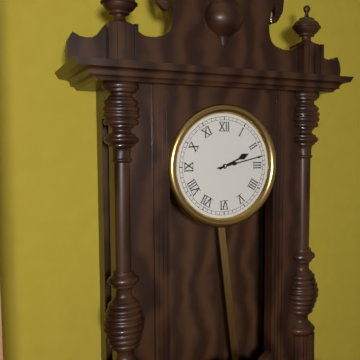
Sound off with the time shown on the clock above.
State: 2:13
